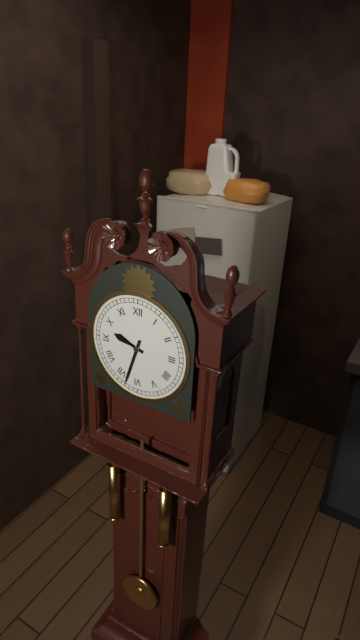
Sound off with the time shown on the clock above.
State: 9:33
